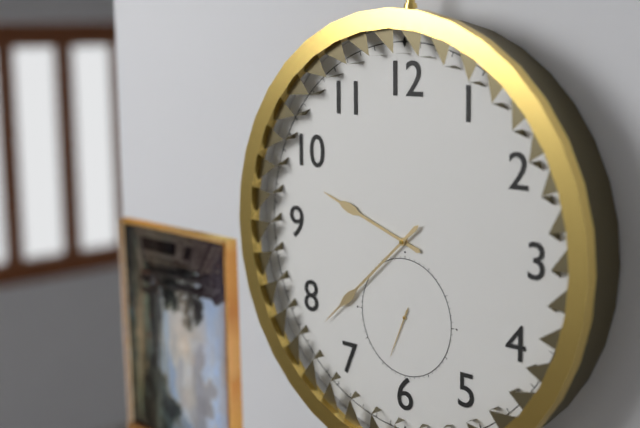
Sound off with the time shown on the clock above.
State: 9:38:34
